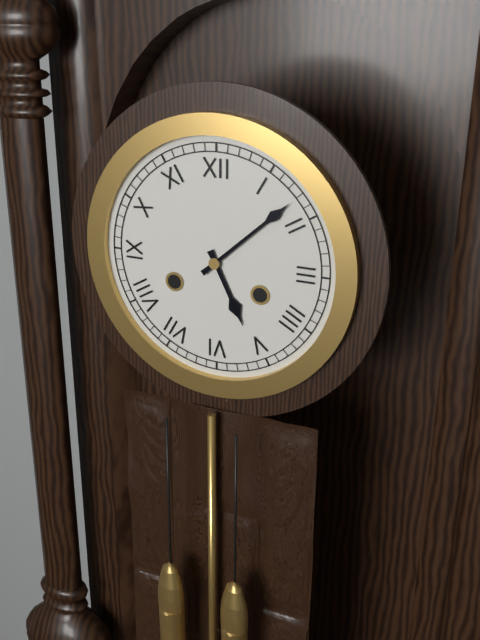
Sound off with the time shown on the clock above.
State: 5:08
